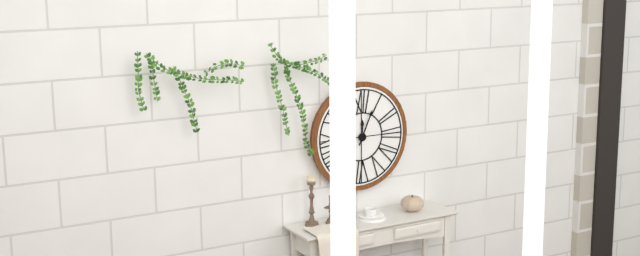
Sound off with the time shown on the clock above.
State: 12:04
